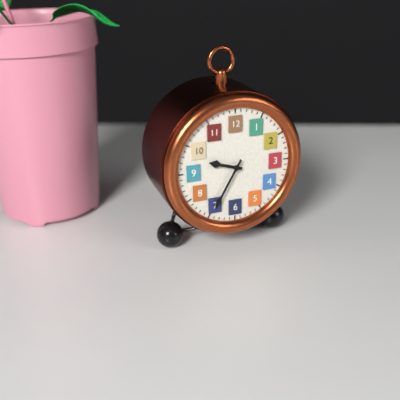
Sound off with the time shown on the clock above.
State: 9:35
